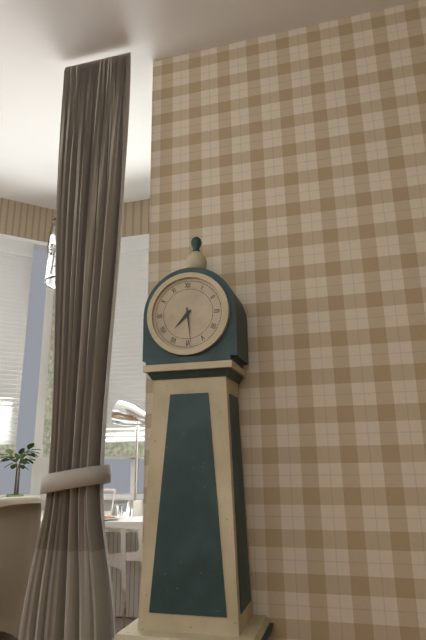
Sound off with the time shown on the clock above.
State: 7:29
